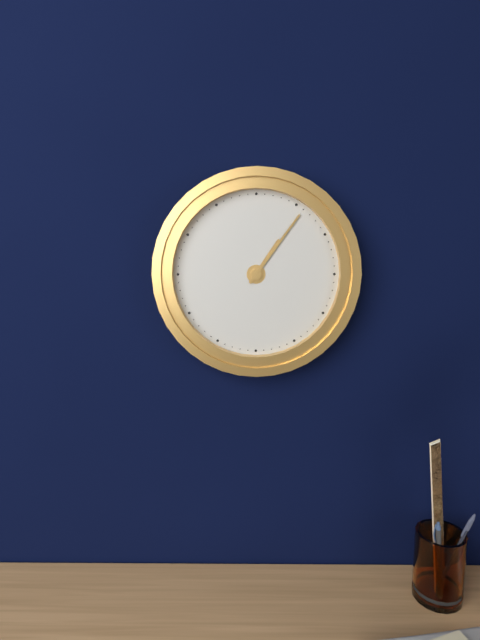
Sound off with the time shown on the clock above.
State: 1:06
